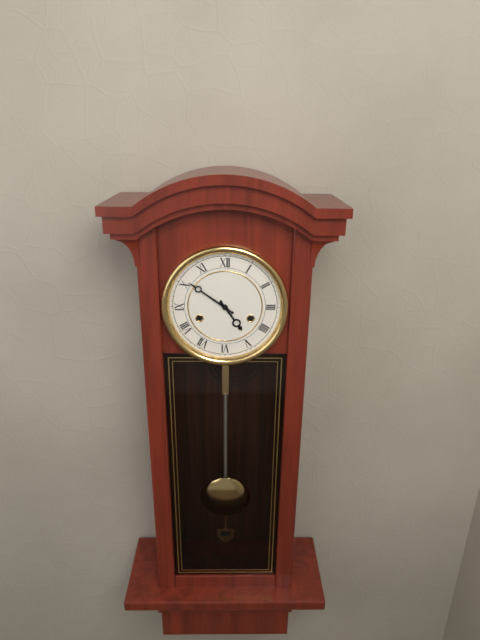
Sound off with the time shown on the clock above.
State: 4:51
